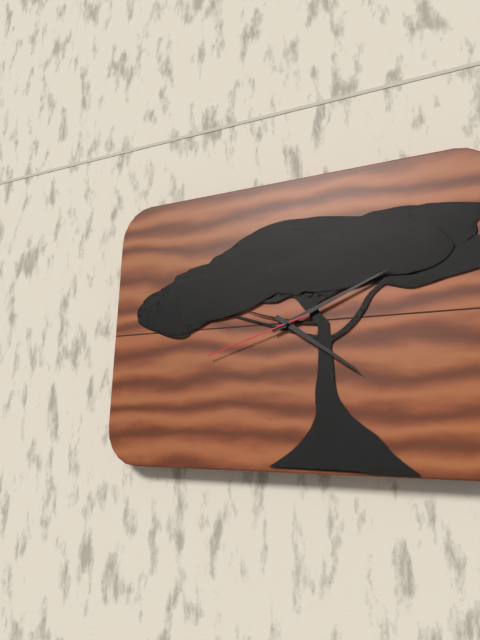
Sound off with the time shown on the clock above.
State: 4:11:42
